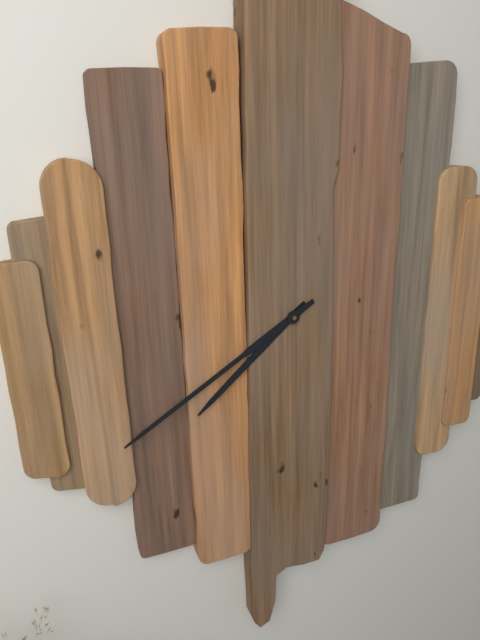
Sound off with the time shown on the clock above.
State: 7:40
